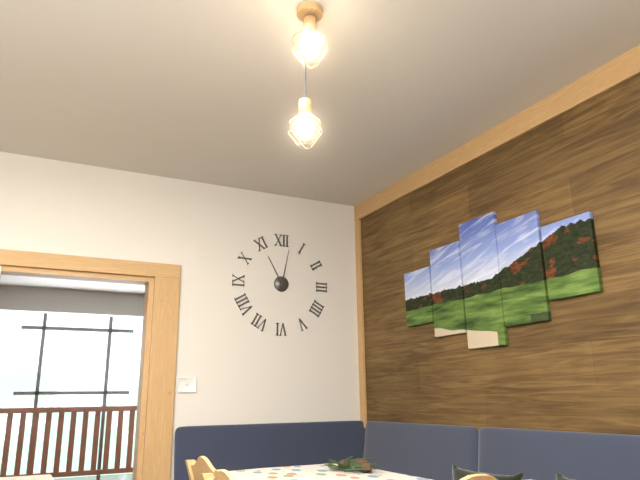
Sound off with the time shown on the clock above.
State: 11:02
